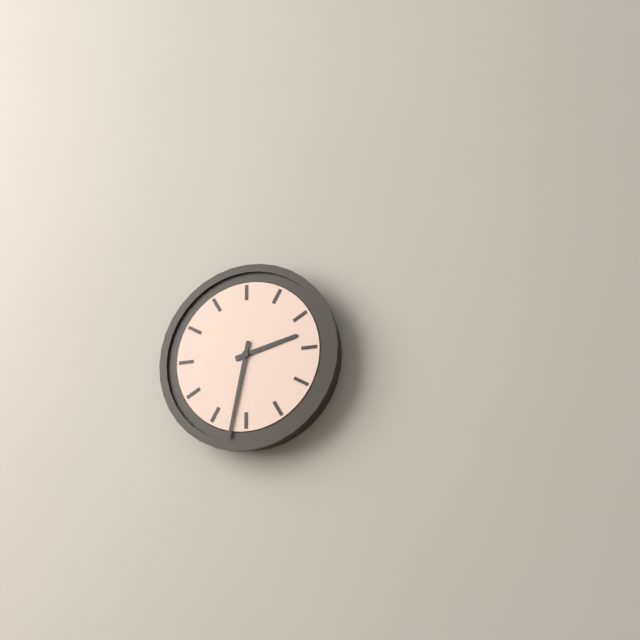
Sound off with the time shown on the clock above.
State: 2:32
